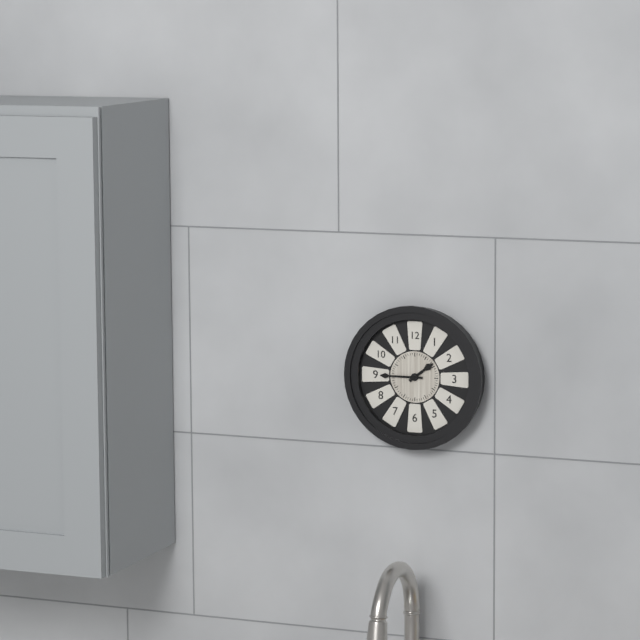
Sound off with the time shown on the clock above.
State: 1:45
